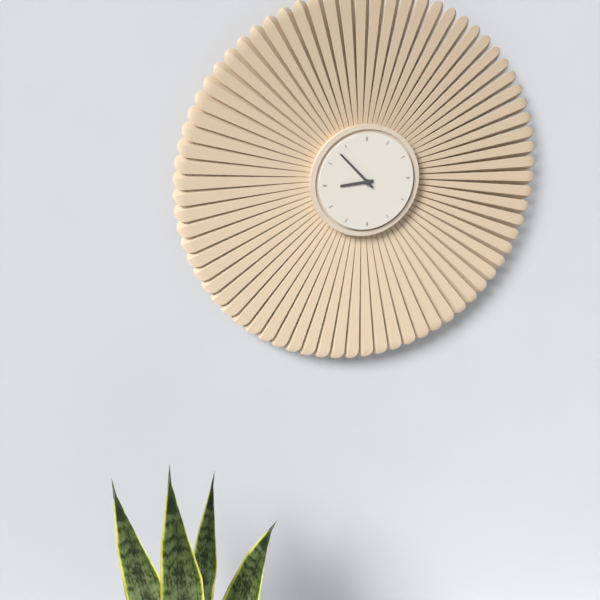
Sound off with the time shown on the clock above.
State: 8:53
